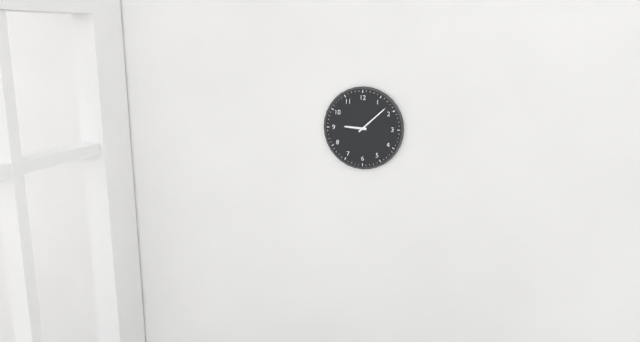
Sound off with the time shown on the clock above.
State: 9:08
